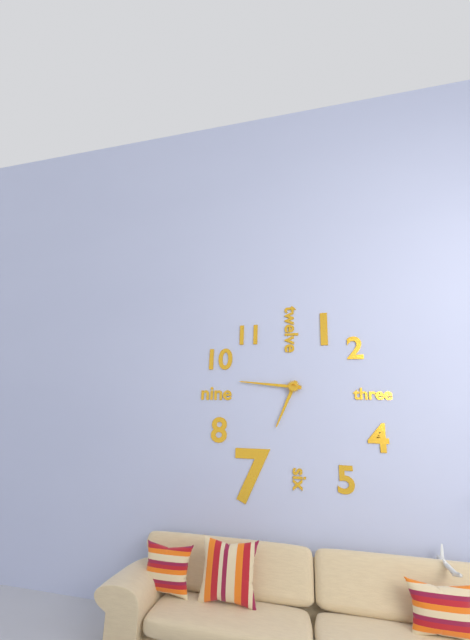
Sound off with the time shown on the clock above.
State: 6:46
